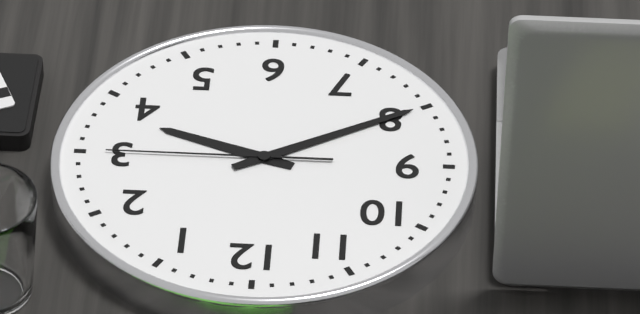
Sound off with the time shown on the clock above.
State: 3:40:15
